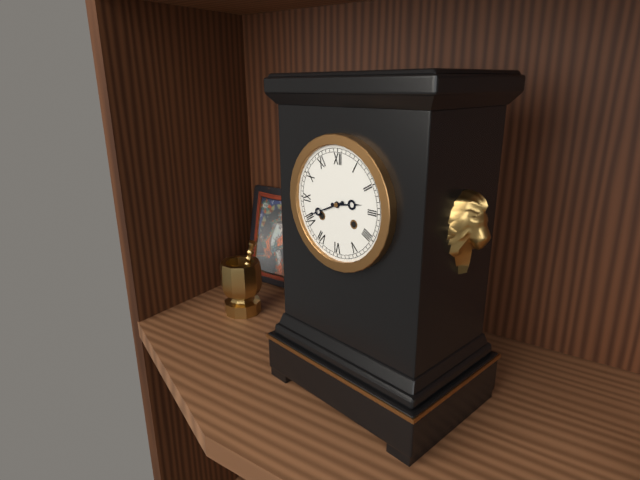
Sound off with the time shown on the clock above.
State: 2:41
